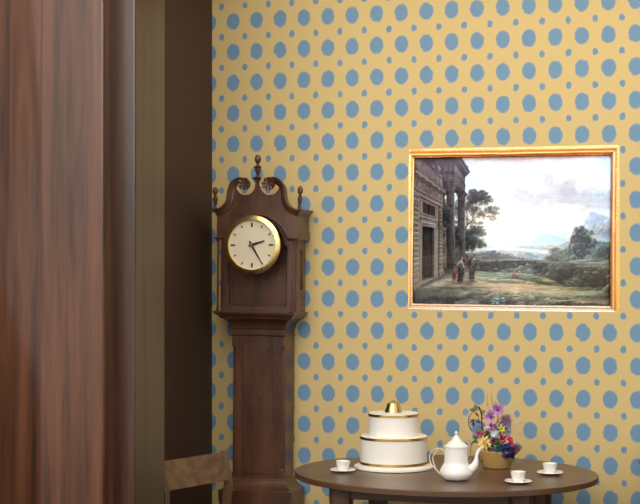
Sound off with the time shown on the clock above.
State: 2:25
